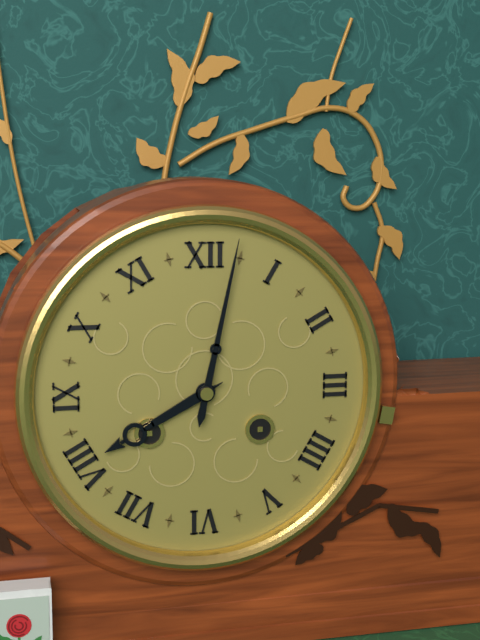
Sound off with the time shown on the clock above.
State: 8:02
